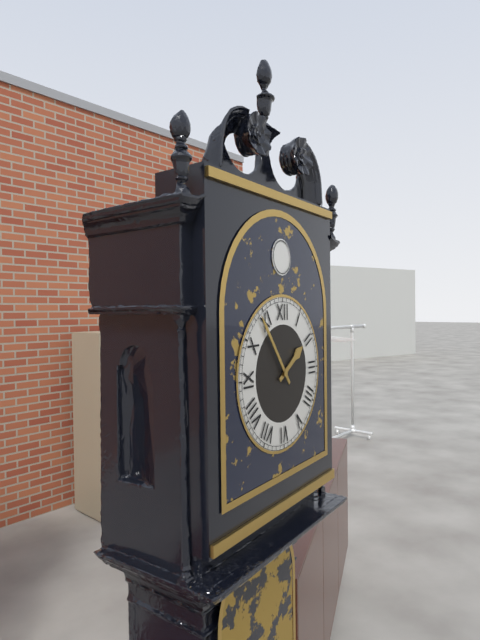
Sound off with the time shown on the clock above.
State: 1:54
